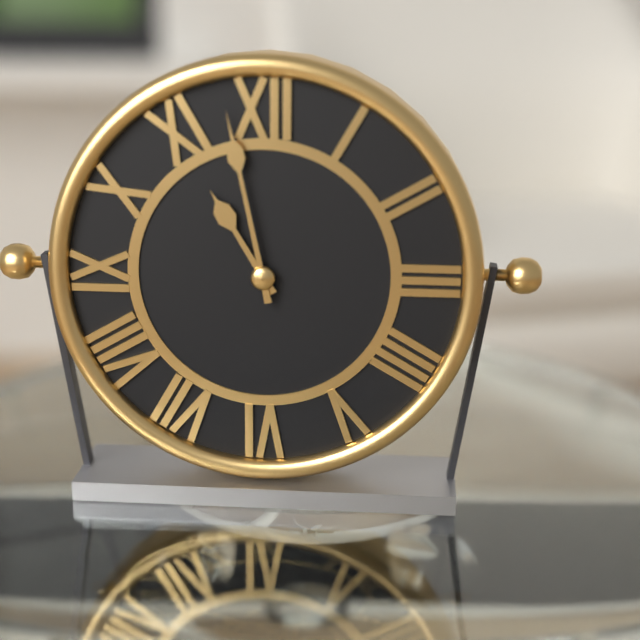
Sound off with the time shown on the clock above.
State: 10:58
